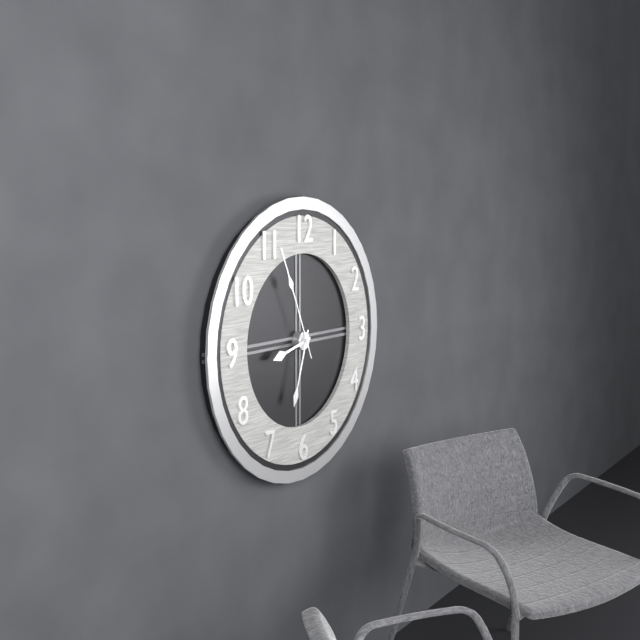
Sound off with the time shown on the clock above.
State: 8:33:56
